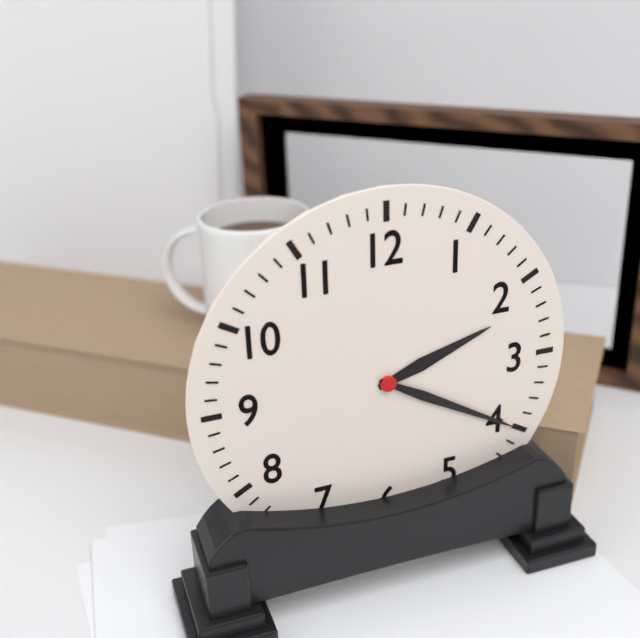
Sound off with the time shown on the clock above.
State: 2:20
